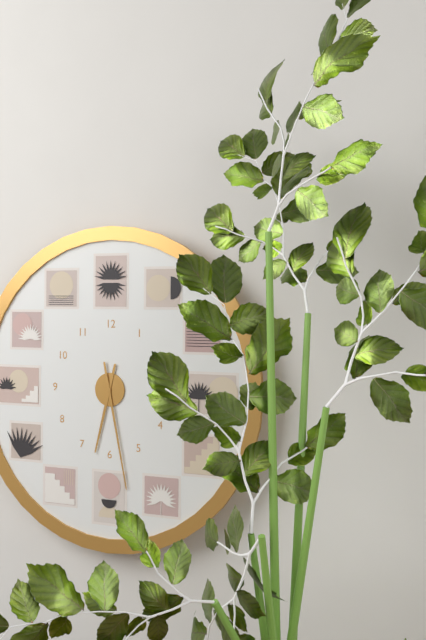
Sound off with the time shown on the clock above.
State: 6:28
